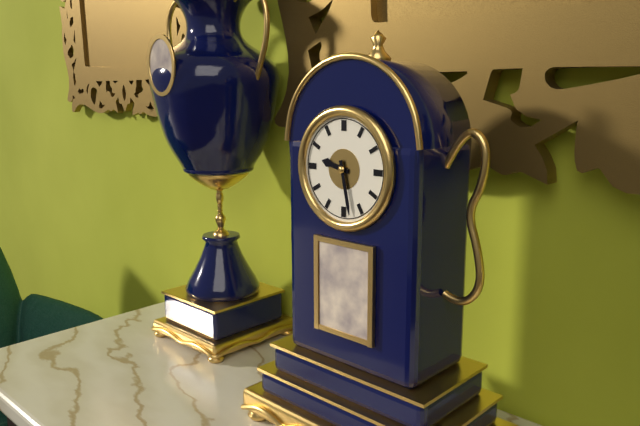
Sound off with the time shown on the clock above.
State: 9:28
